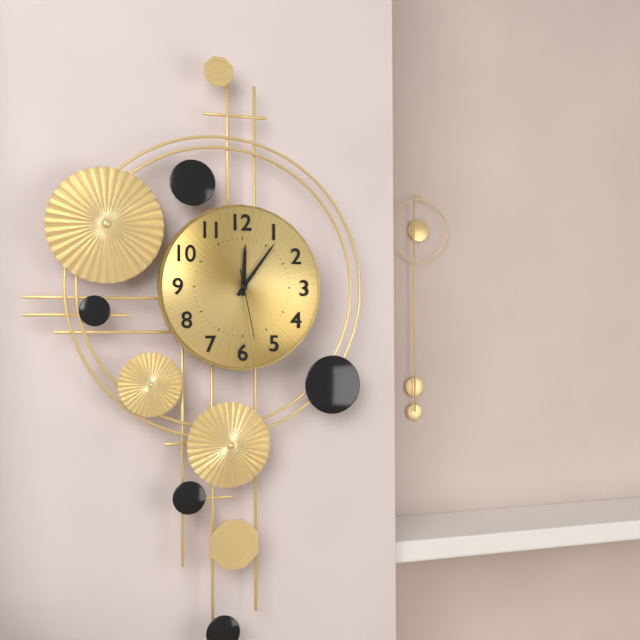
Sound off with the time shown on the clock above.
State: 12:06:28
